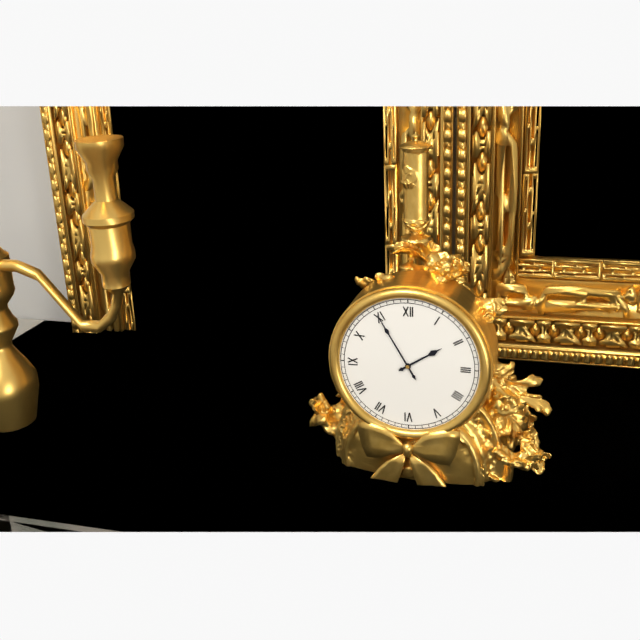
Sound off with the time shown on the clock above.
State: 1:55
